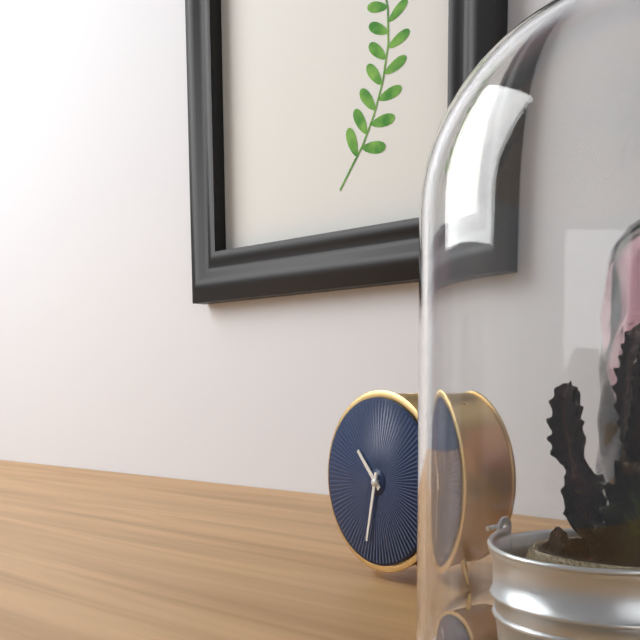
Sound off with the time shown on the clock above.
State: 10:32
